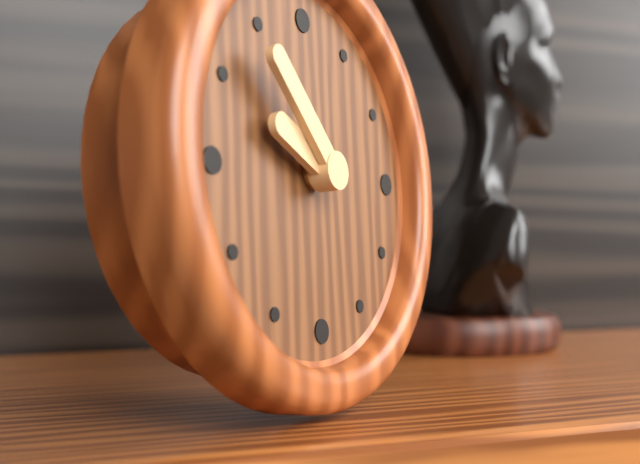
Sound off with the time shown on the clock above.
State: 9:53
